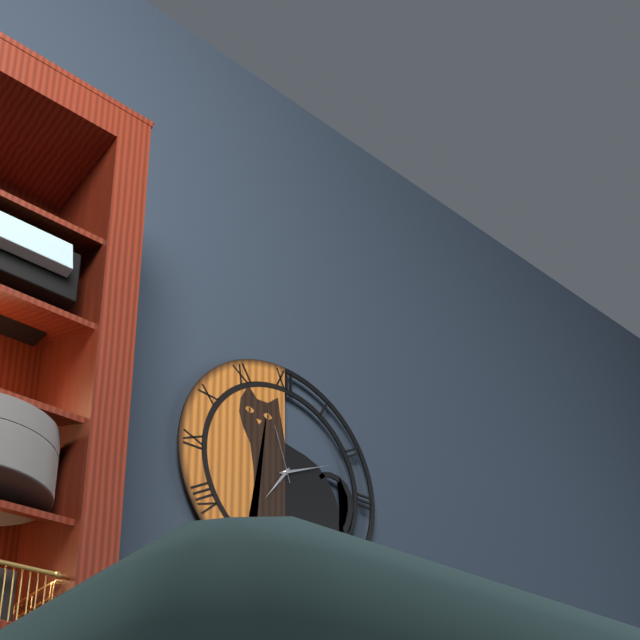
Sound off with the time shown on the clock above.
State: 7:11:57
